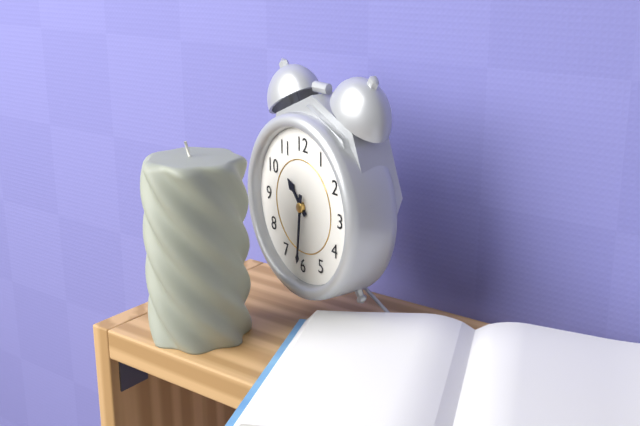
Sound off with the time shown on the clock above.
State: 10:31
